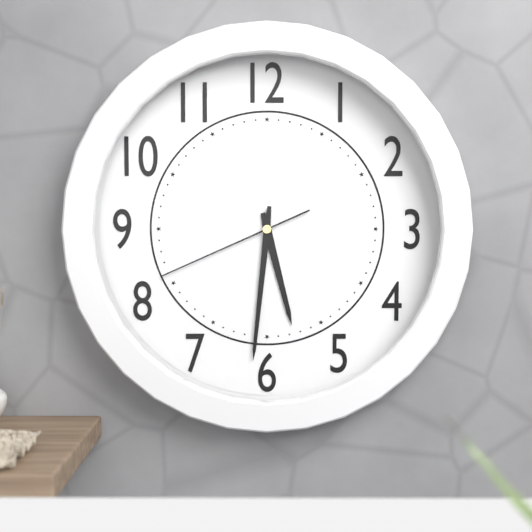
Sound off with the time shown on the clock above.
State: 5:31:41
